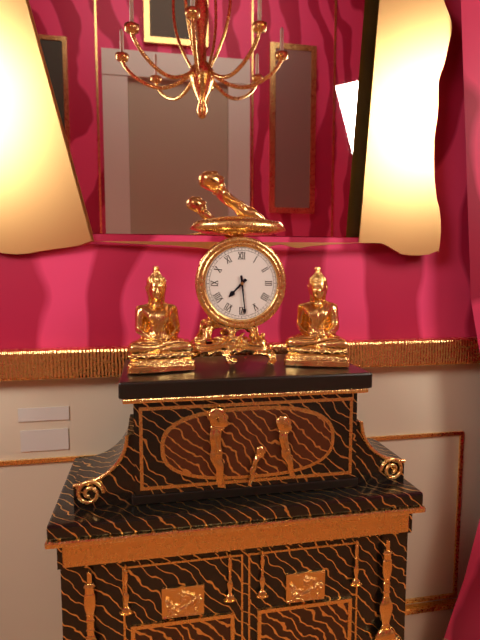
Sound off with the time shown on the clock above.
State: 7:29
